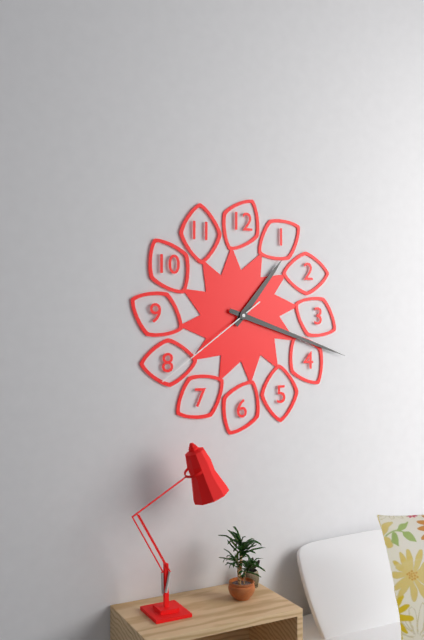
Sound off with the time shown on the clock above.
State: 1:18:39
